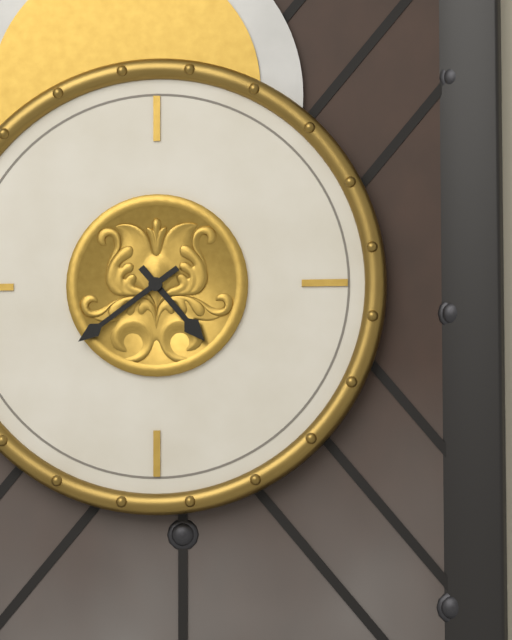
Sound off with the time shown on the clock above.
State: 4:39
